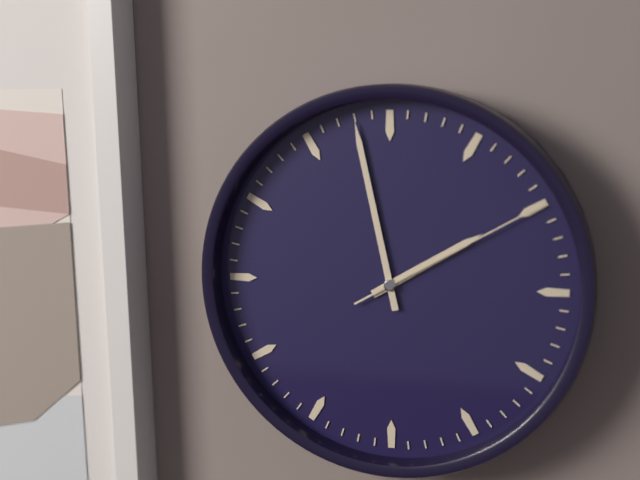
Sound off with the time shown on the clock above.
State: 1:58:10
